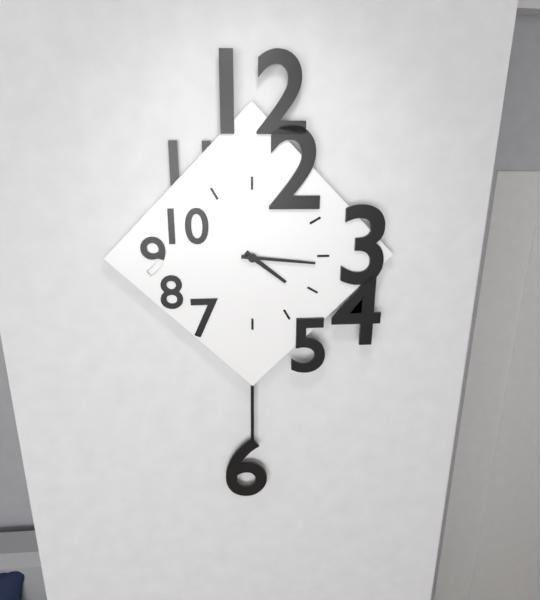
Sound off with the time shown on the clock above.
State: 4:16
